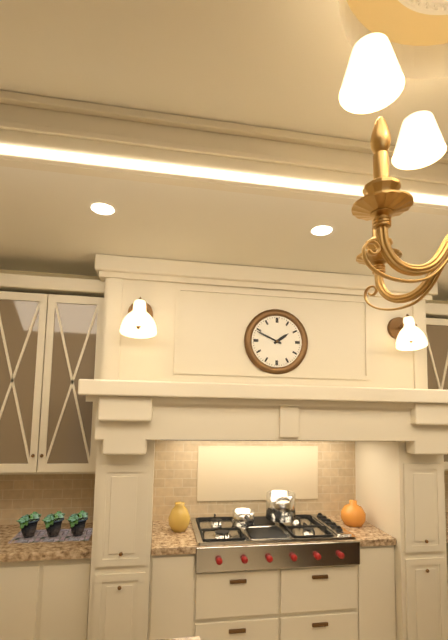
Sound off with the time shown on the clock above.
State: 1:49
